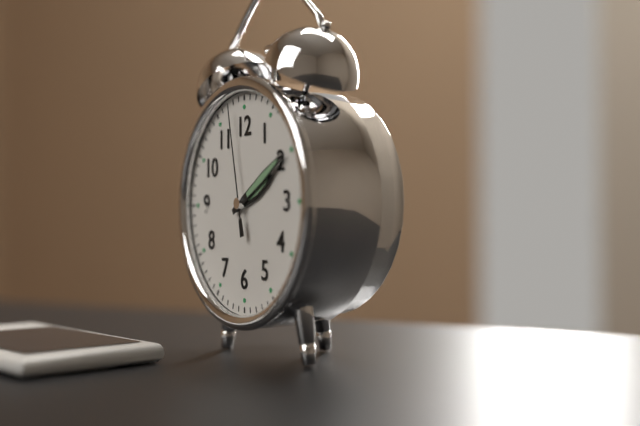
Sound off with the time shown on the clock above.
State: 2:10:58
